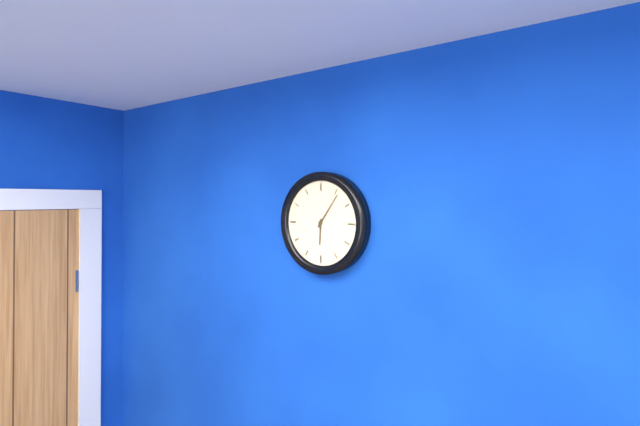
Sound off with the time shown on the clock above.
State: 6:06
